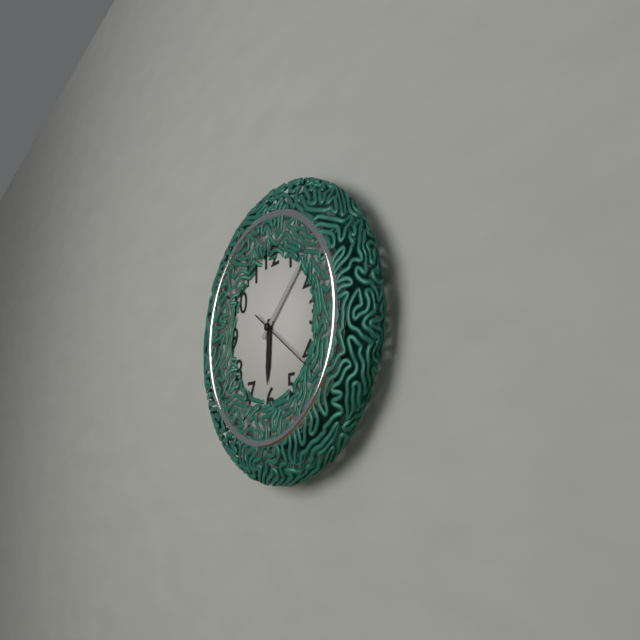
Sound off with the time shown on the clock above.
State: 6:08:21
